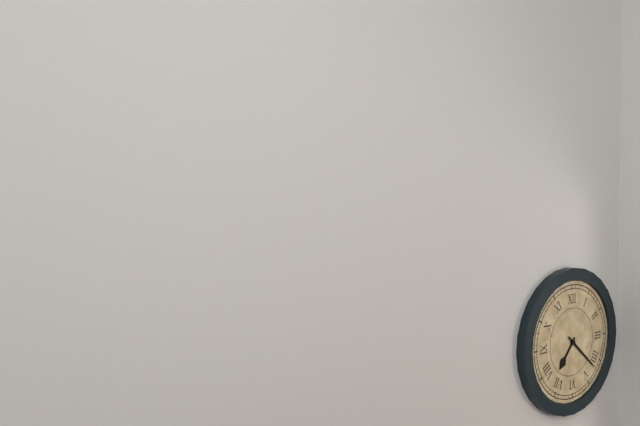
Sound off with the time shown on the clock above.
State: 7:22
